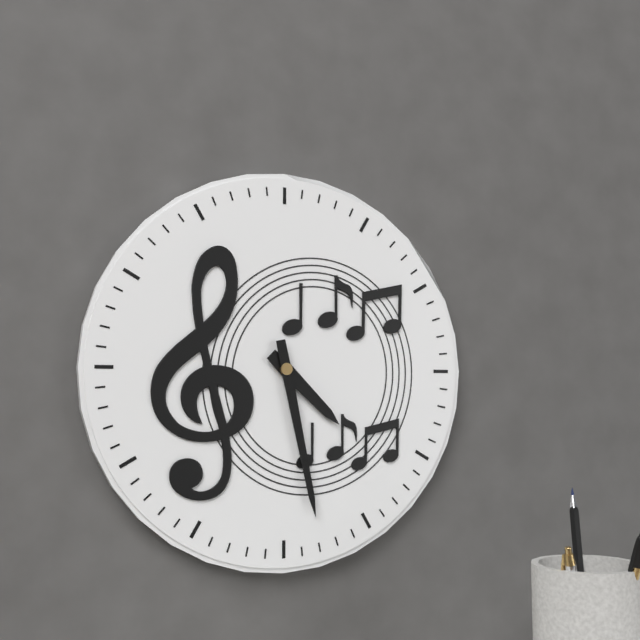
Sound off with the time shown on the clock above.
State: 4:28
